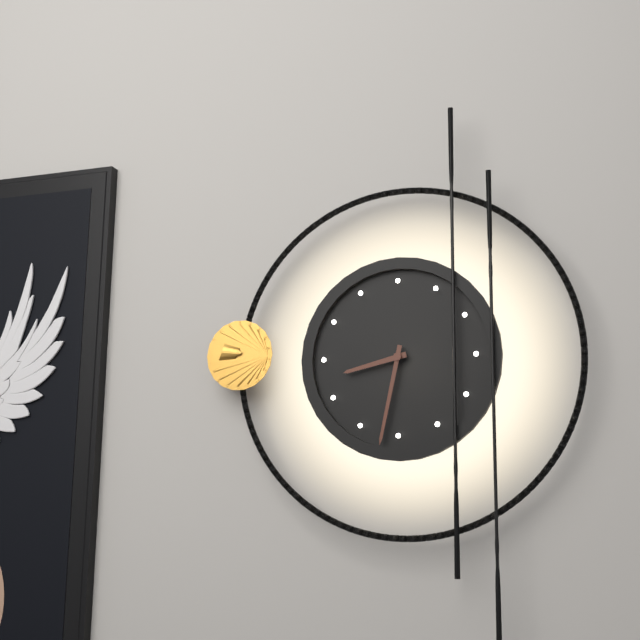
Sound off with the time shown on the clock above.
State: 8:32
